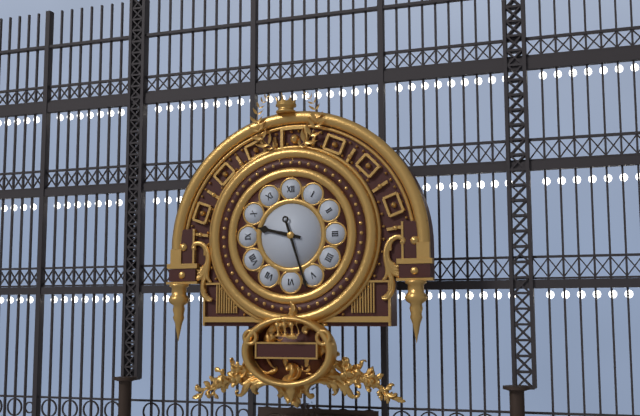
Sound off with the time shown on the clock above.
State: 9:27
